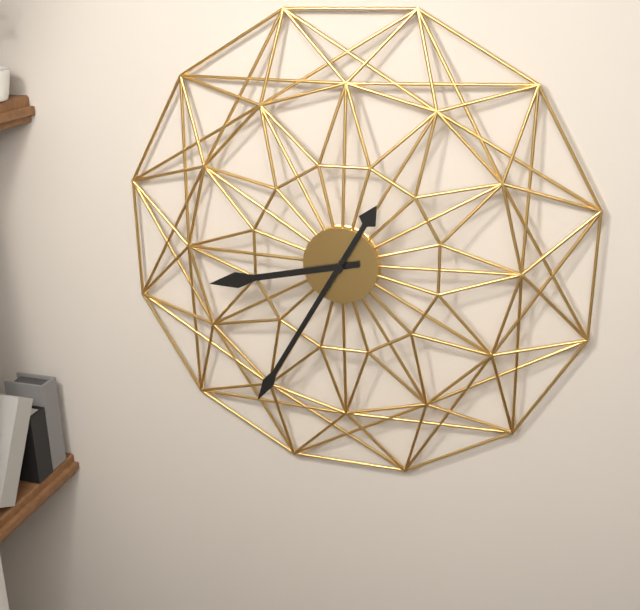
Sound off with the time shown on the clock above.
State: 8:35
